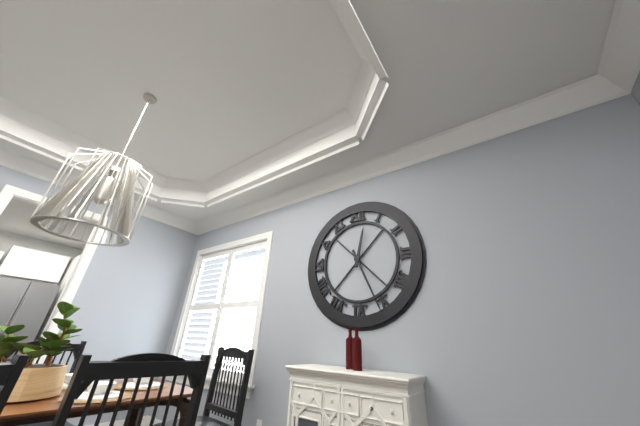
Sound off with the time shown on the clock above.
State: 12:26
